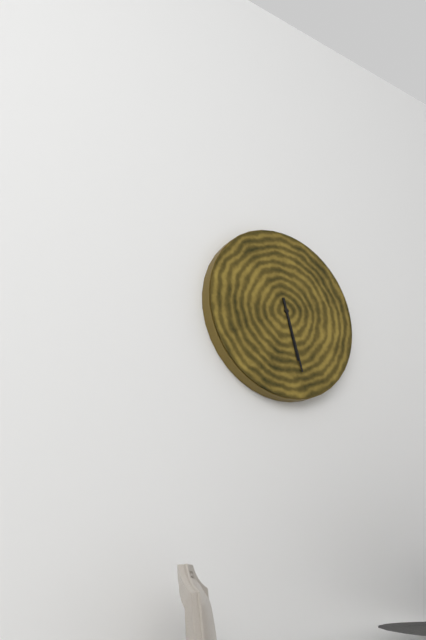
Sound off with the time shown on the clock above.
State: 5:27
